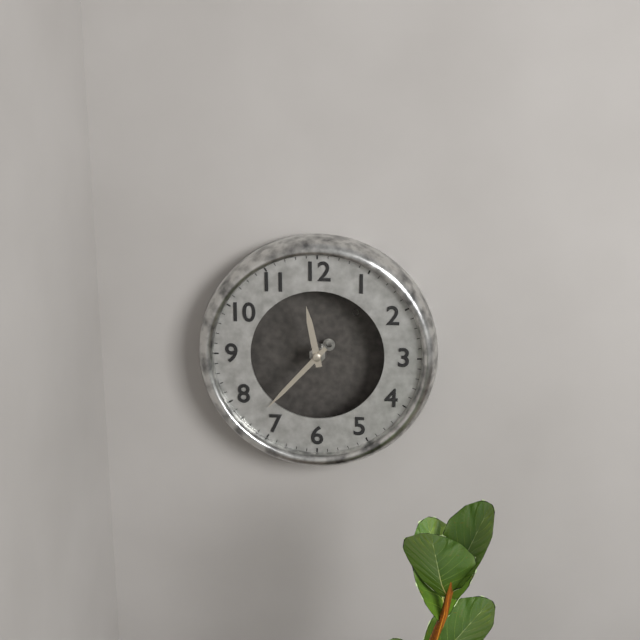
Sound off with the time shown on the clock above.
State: 11:37
